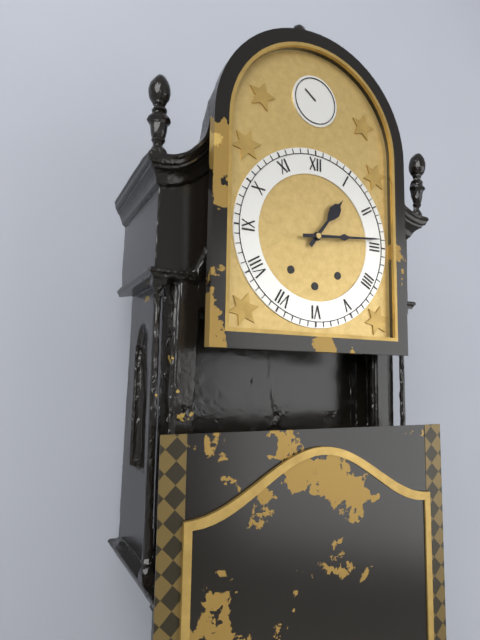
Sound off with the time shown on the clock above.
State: 1:14
